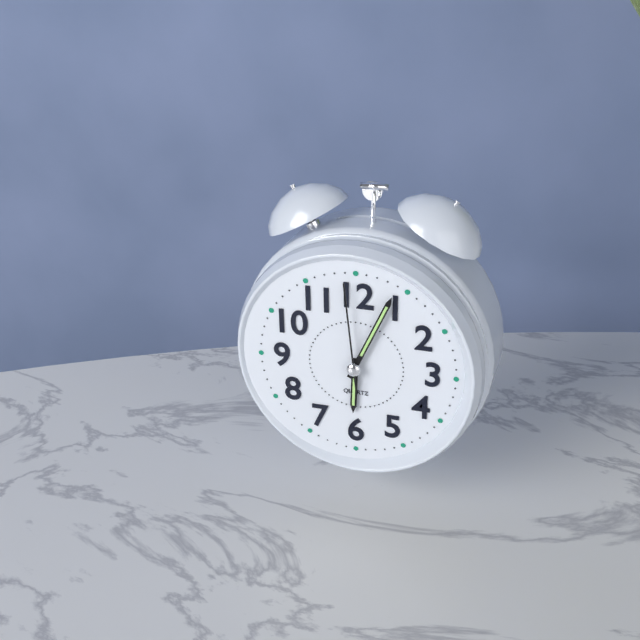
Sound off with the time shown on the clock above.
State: 6:04:59
